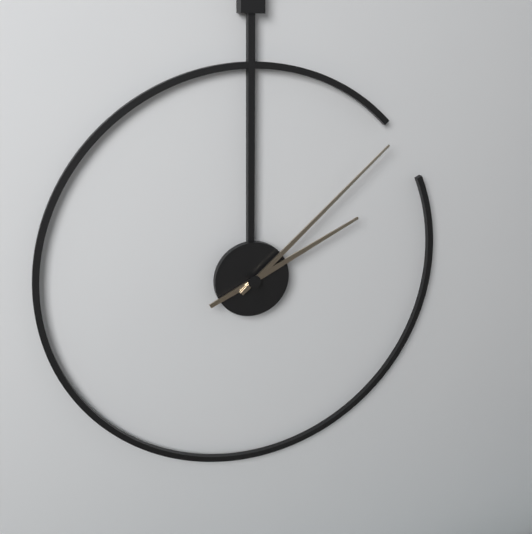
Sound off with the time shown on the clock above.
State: 2:08
